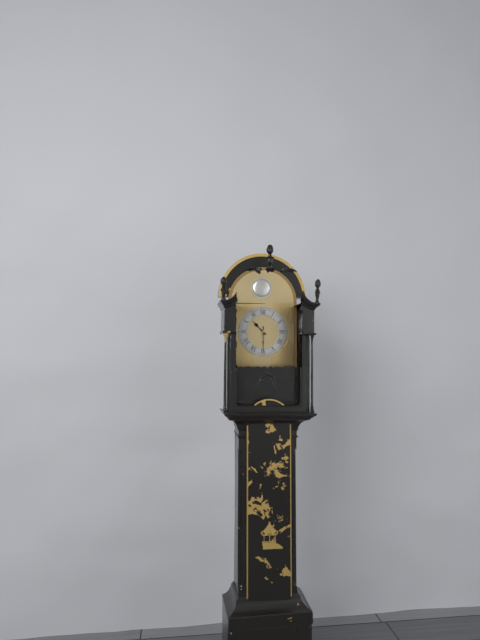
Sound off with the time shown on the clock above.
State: 10:30
